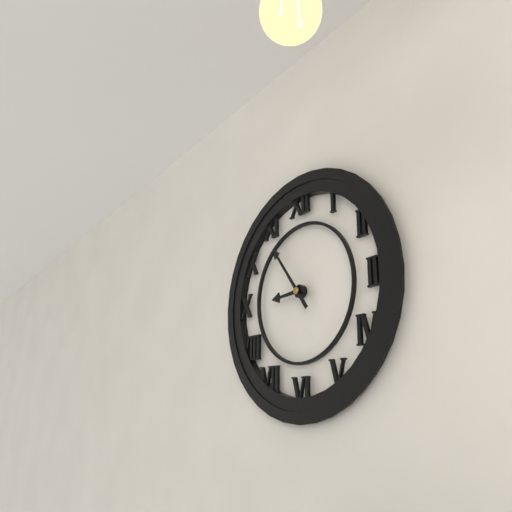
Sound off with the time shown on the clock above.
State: 8:54
